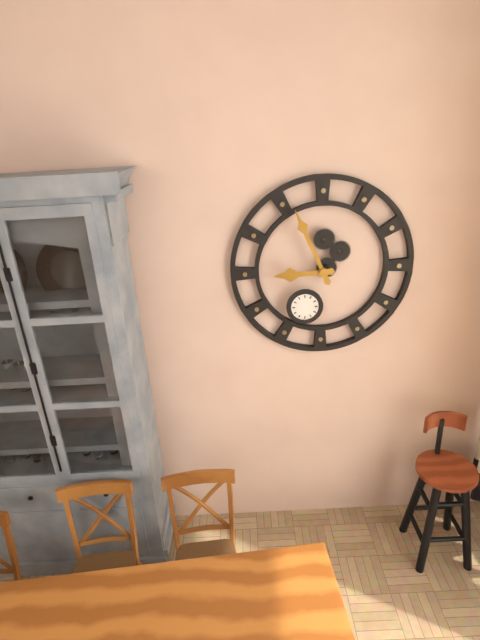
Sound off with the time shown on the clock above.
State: 8:56
